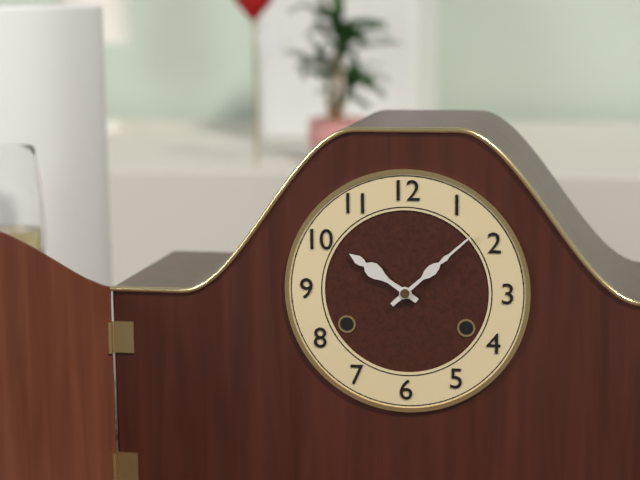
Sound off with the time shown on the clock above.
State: 10:08
